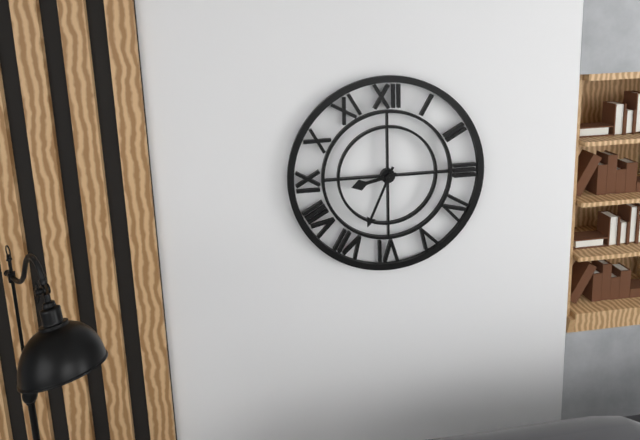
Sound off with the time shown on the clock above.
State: 8:34
